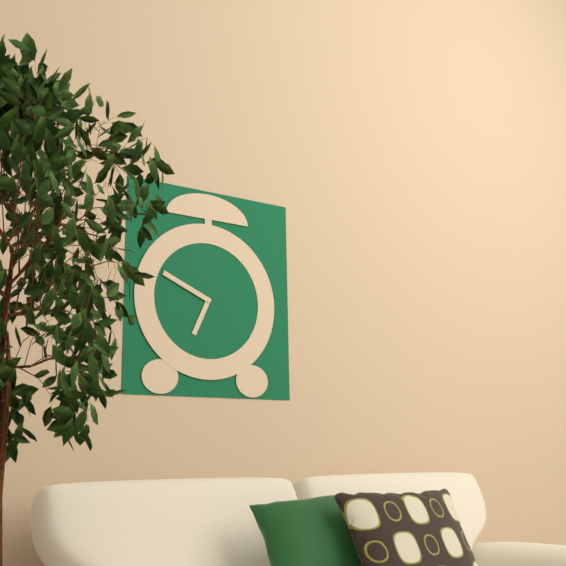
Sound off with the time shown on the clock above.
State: 6:49
